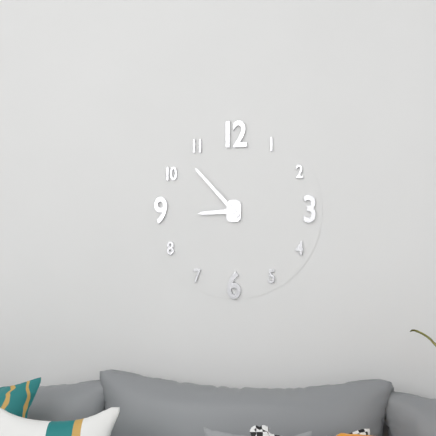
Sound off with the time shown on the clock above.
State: 8:53
